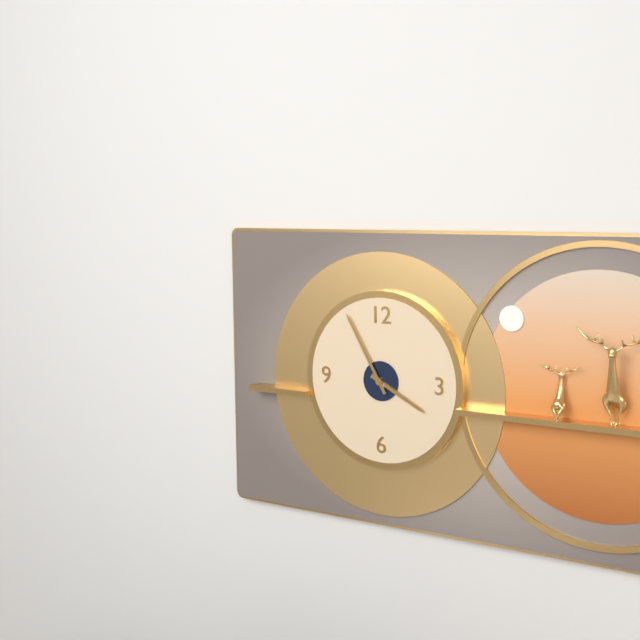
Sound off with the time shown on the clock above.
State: 3:55
